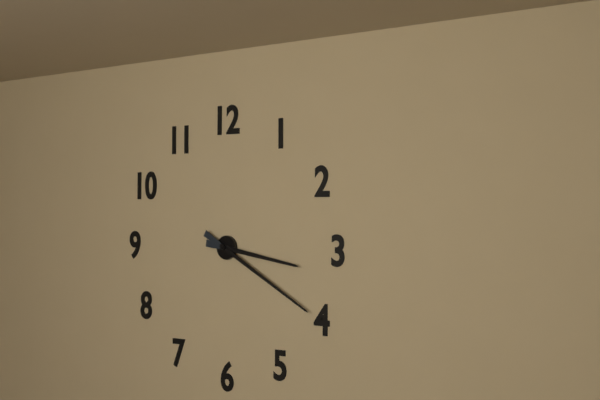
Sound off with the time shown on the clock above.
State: 3:20
